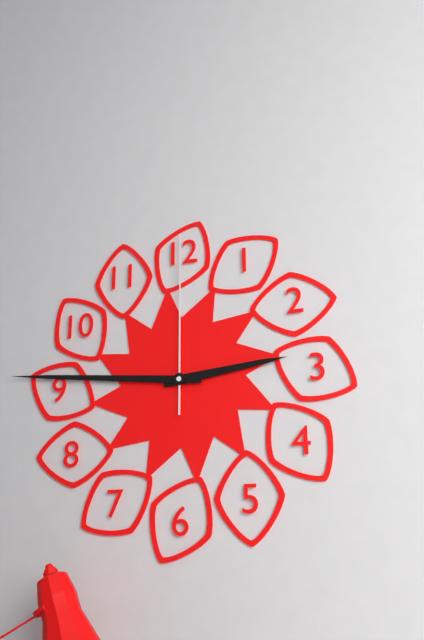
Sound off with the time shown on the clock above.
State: 2:46:00
